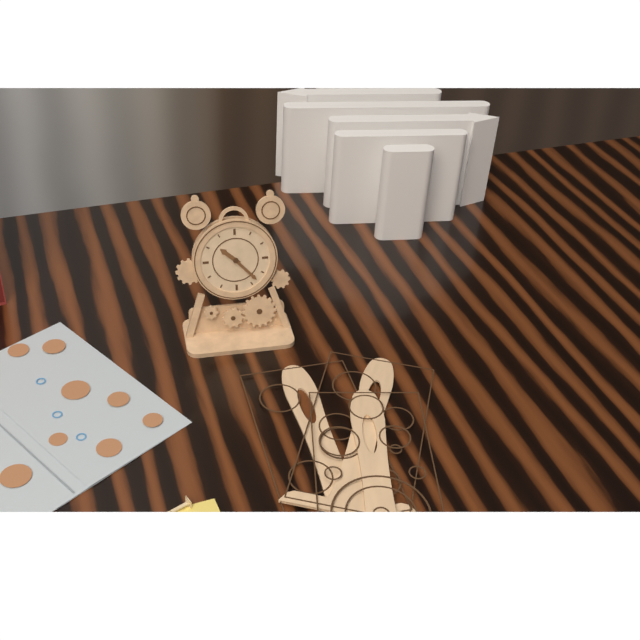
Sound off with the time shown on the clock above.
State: 10:23
